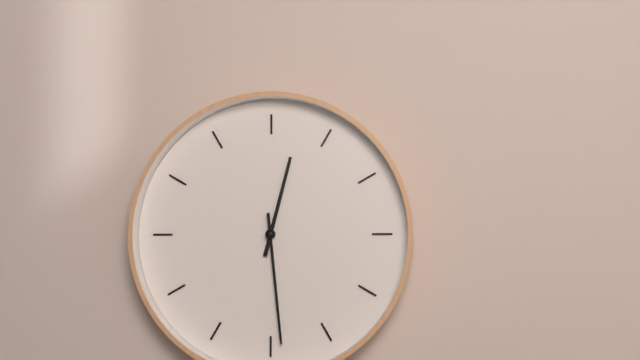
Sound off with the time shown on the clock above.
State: 12:29
